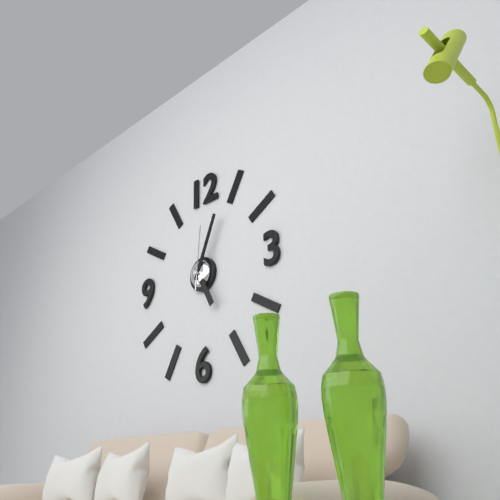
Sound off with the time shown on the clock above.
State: 5:04:01
